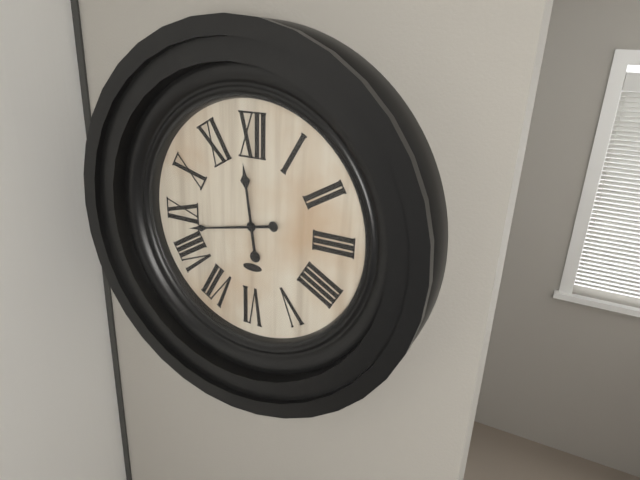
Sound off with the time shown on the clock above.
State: 11:43
